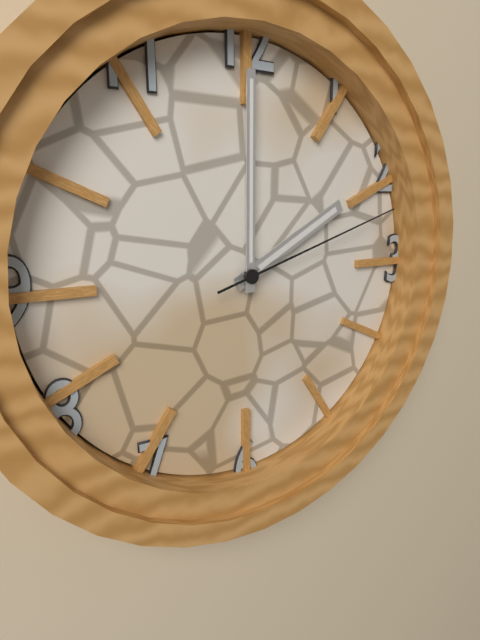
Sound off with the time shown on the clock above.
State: 2:00:12
